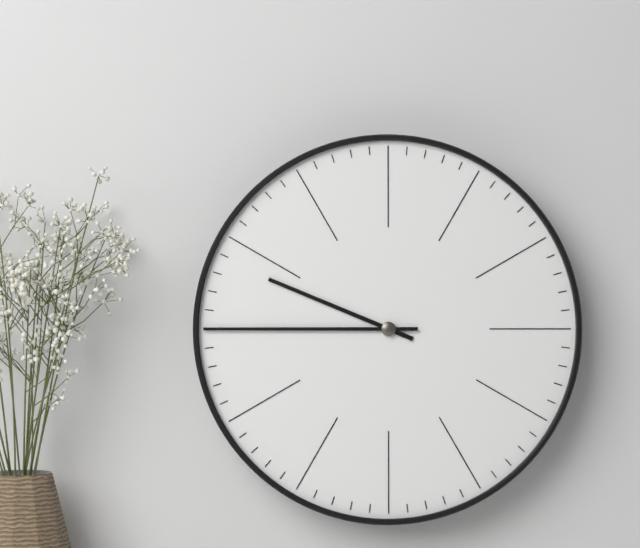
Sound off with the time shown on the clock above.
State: 9:45
